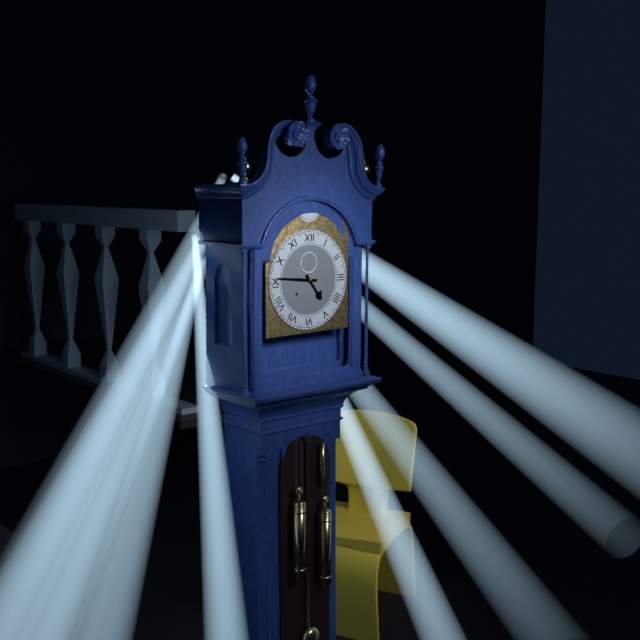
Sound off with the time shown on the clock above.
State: 4:46
